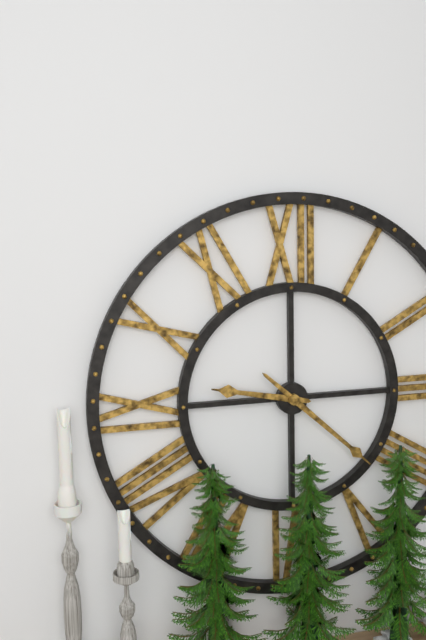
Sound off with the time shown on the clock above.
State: 9:22
